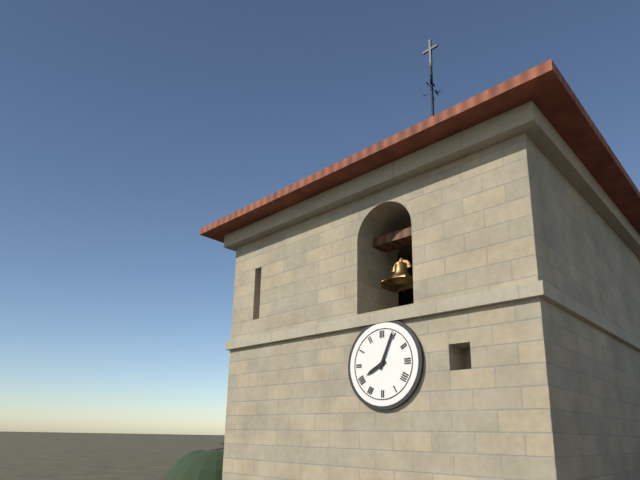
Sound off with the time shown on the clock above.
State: 8:04
